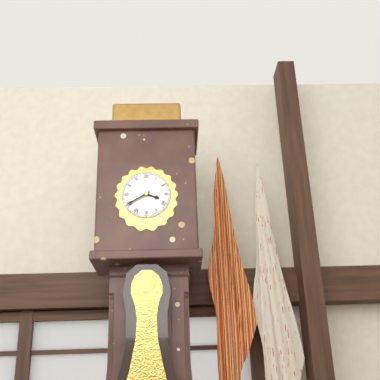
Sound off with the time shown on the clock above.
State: 3:40
